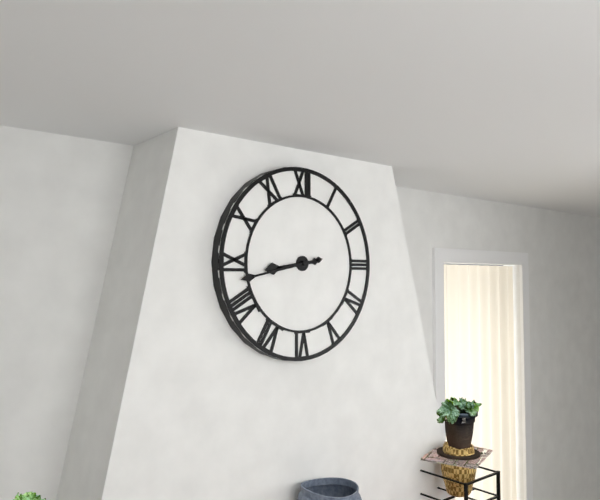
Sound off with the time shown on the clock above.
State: 8:43
